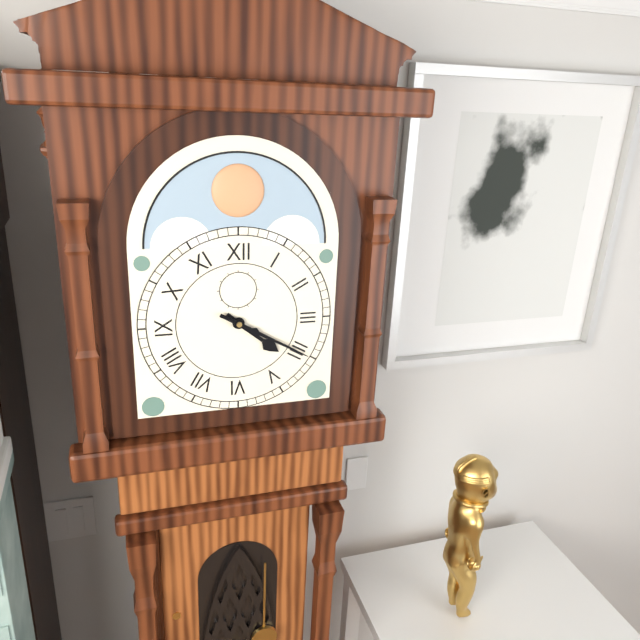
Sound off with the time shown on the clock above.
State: 4:20
